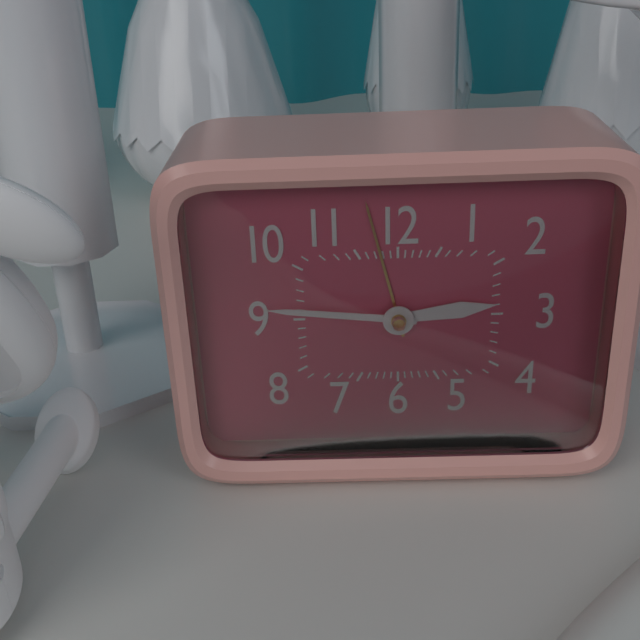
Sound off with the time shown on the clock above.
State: 2:46
